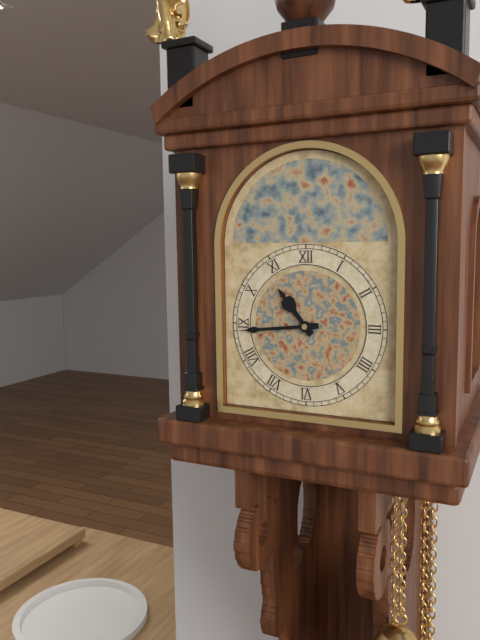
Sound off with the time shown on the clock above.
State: 10:44
